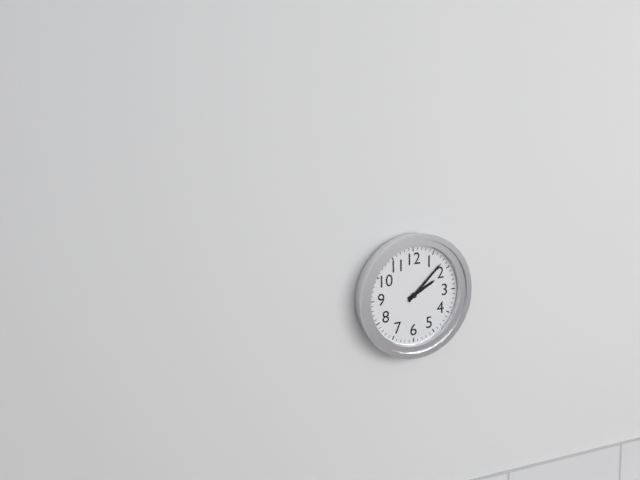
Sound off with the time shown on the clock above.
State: 2:08
